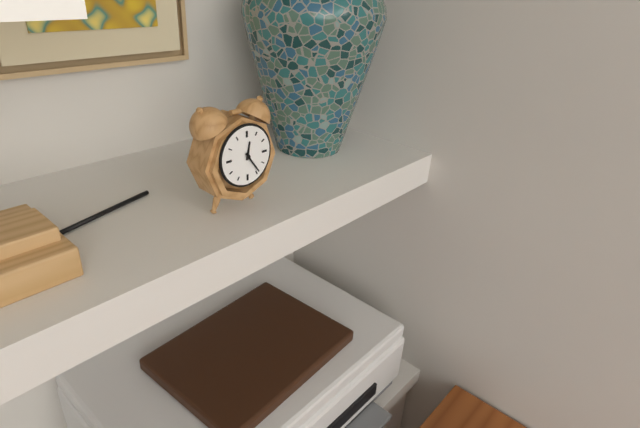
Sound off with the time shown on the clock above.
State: 12:24
